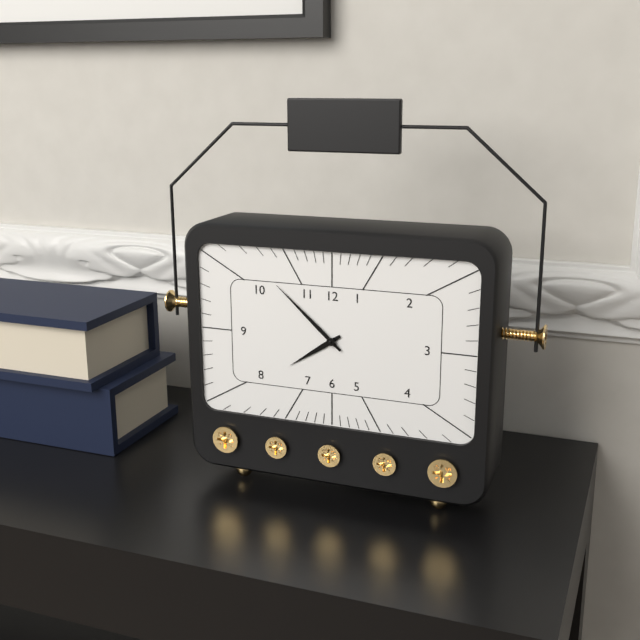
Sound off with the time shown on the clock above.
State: 7:52
